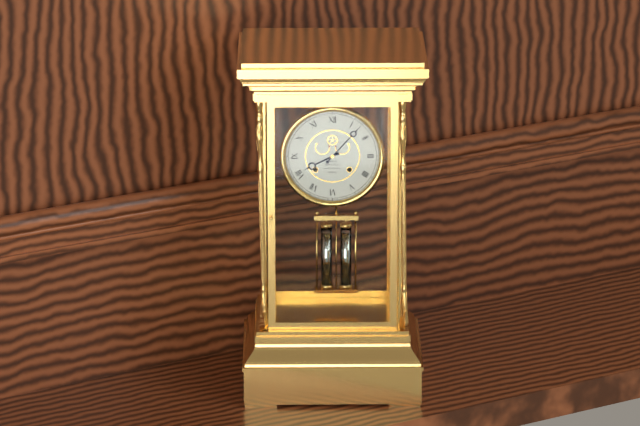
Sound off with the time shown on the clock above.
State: 8:07
